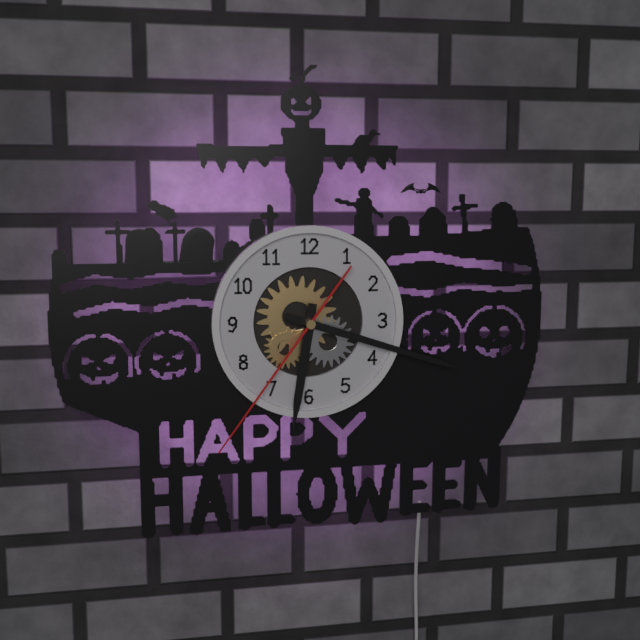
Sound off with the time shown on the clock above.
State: 6:18:36
